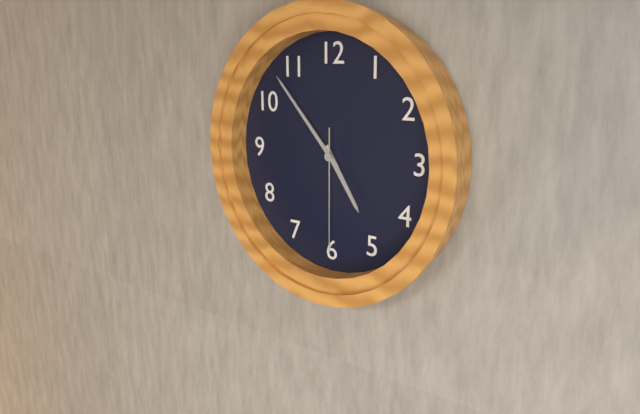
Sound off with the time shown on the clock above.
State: 4:53:30
